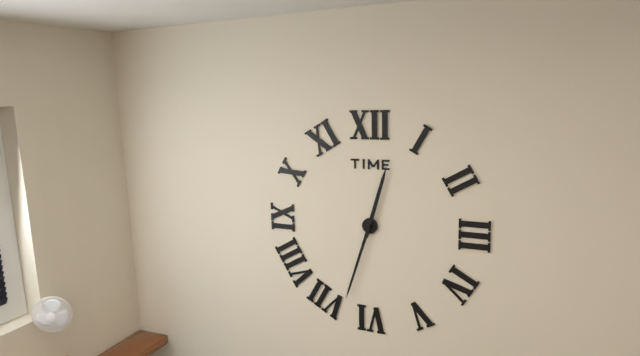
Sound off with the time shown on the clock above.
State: 12:33
